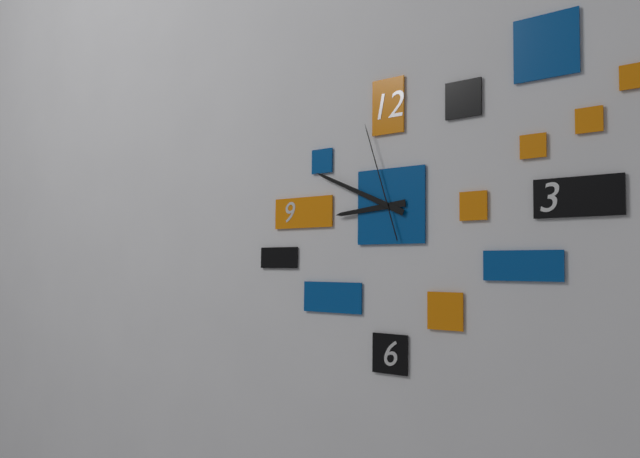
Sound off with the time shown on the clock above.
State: 8:49:57
